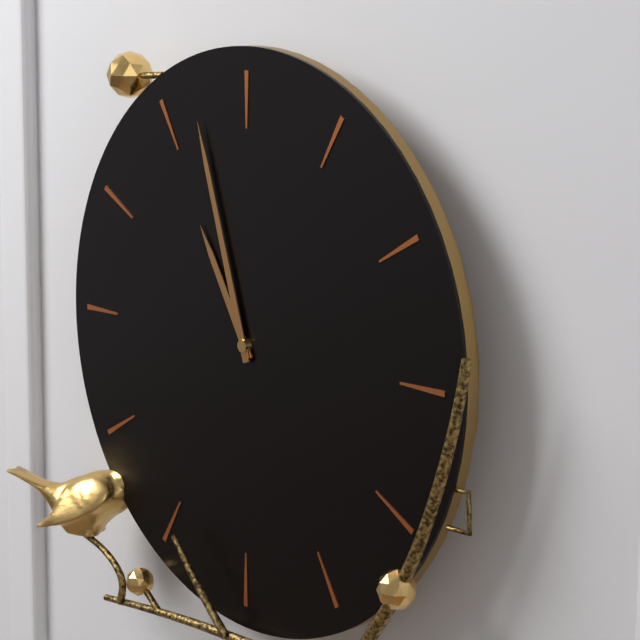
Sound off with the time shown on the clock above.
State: 10:57
